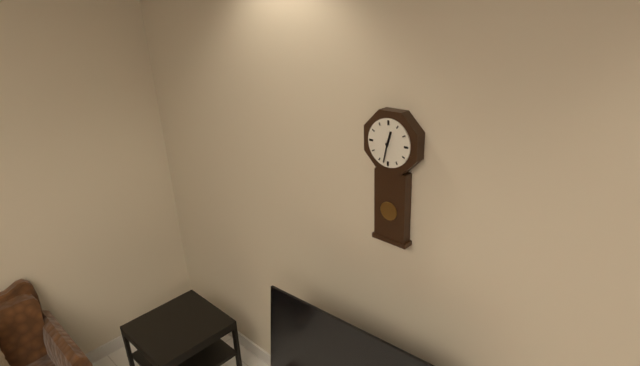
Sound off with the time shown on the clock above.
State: 12:32
